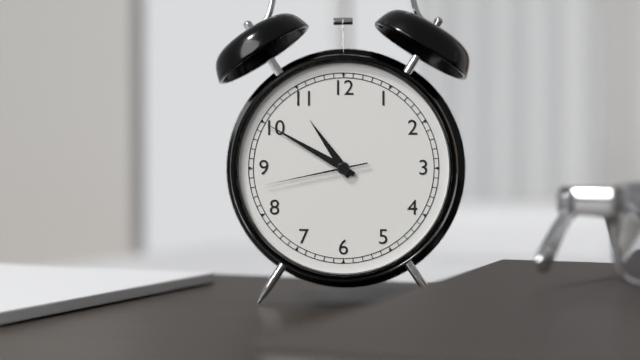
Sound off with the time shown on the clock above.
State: 10:50:43
